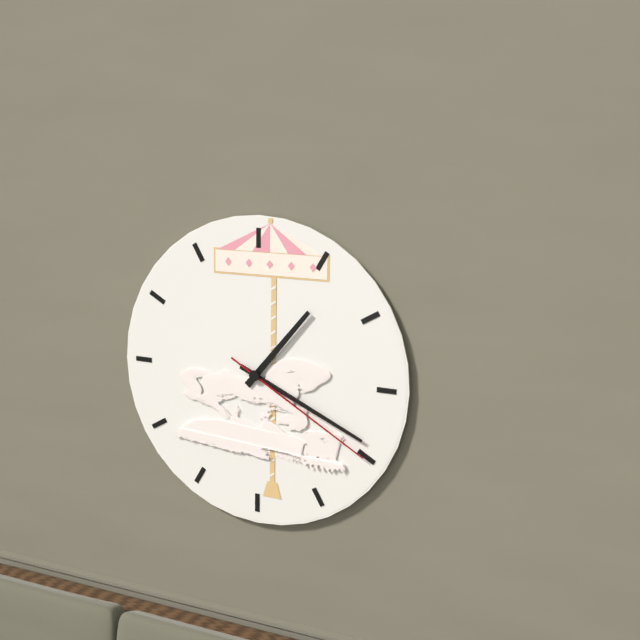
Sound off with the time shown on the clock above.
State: 1:19:20
